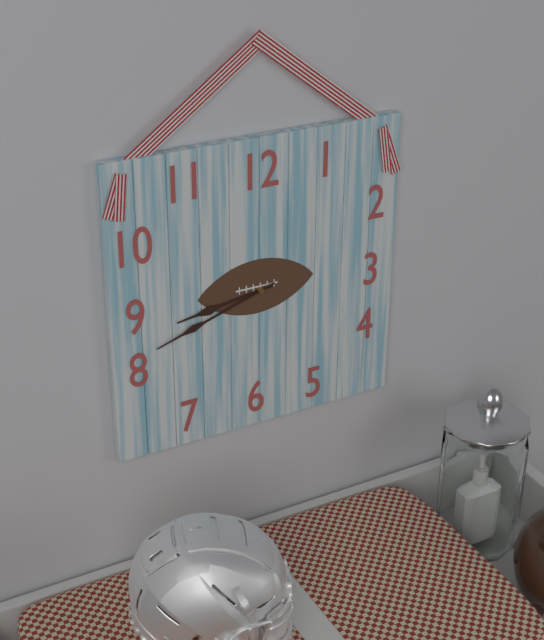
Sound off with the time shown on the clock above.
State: 8:42
